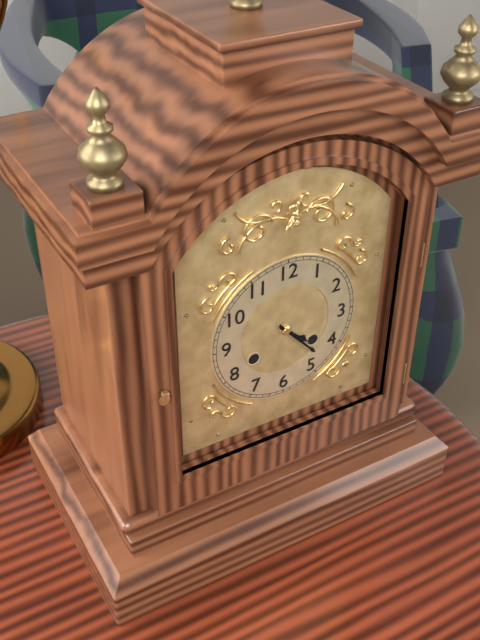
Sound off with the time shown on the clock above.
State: 4:23
